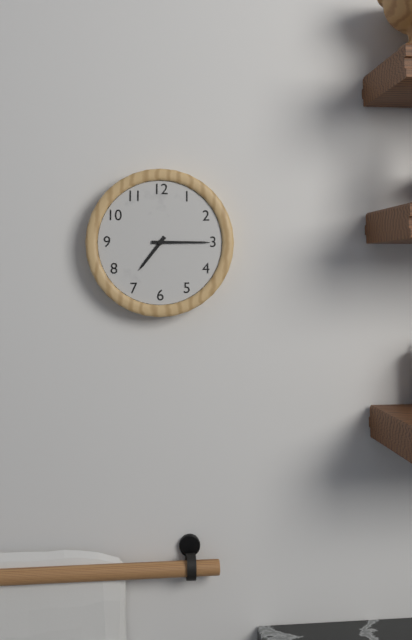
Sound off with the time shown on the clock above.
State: 7:15
